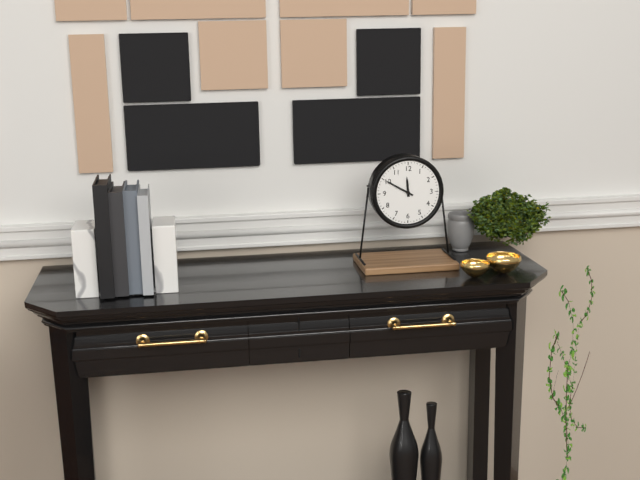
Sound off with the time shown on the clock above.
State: 11:50
